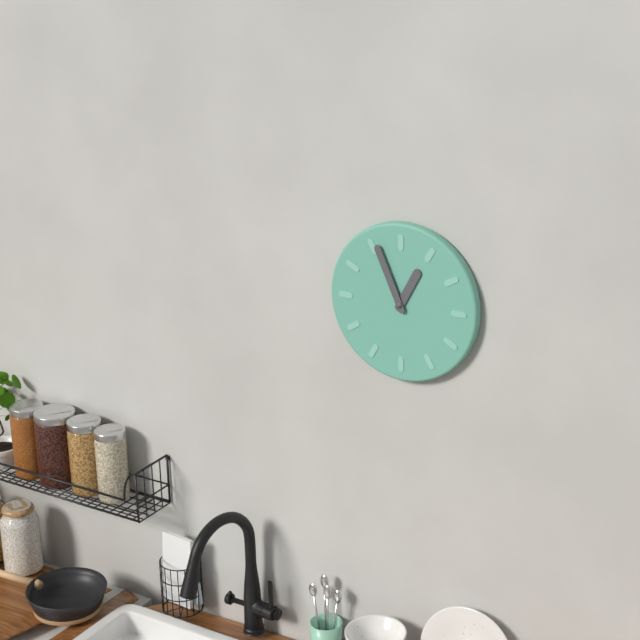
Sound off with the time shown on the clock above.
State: 12:56
